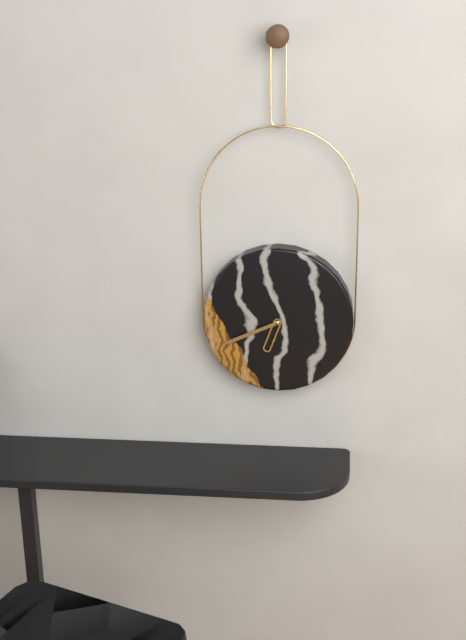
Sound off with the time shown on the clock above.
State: 6:41
